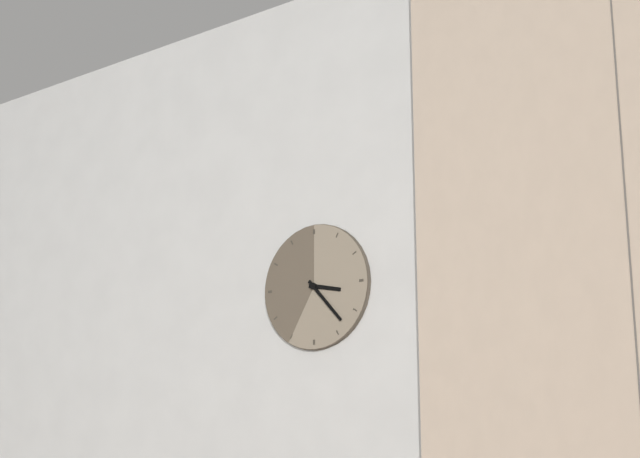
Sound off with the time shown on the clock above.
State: 3:23
